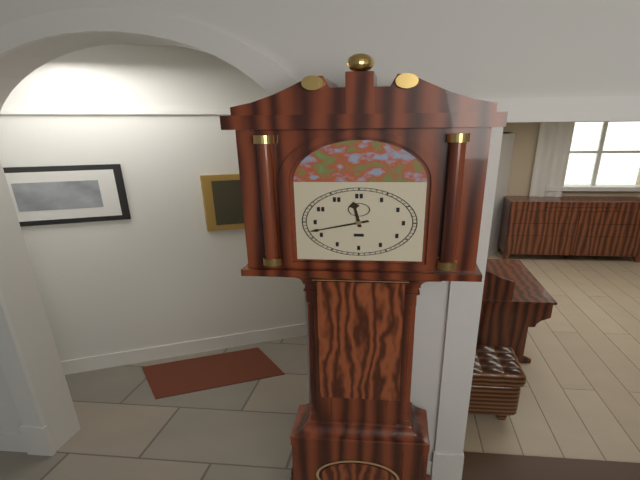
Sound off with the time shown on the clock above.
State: 11:42
